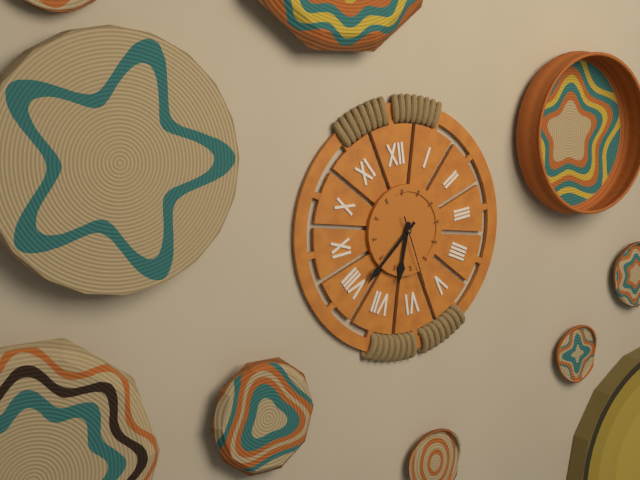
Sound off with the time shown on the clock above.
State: 6:39:28
